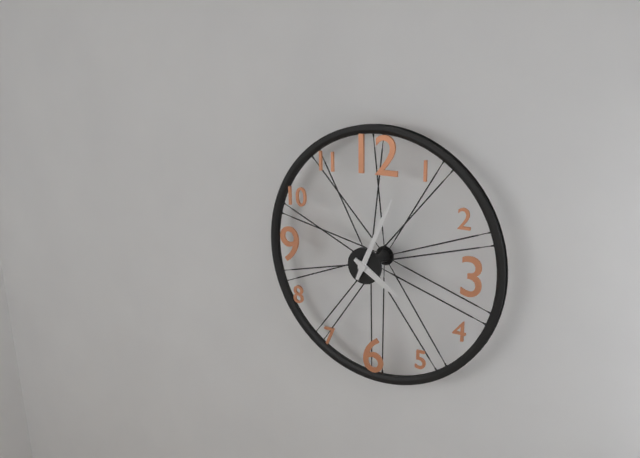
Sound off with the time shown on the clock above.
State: 4:04
